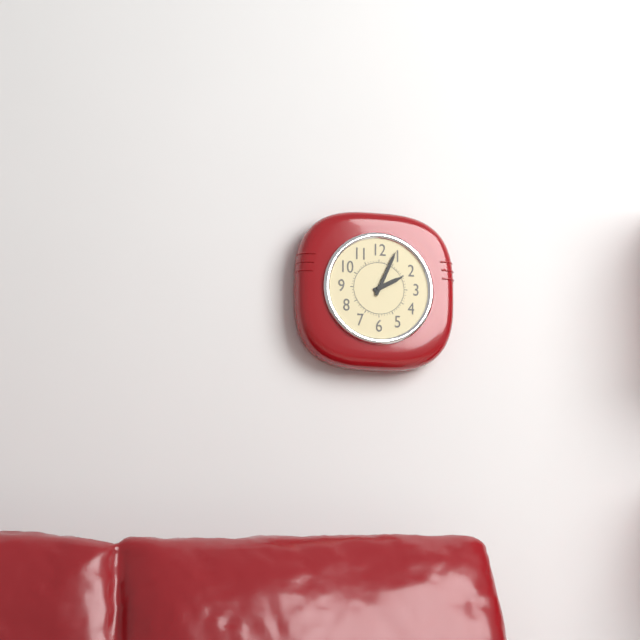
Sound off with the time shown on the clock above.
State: 2:04
